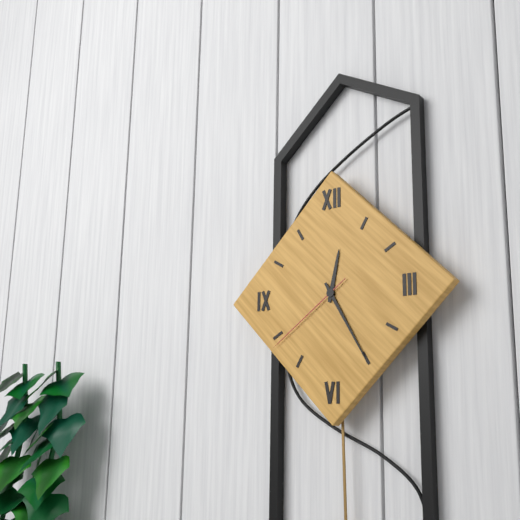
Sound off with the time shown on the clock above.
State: 12:25:39
